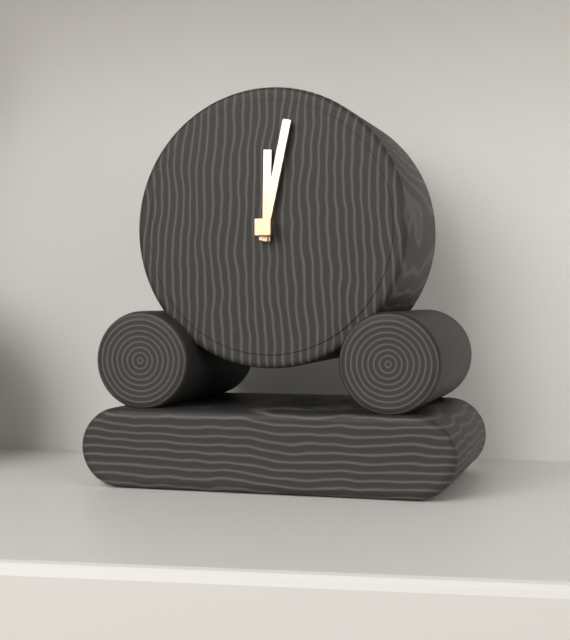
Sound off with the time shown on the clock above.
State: 12:02
